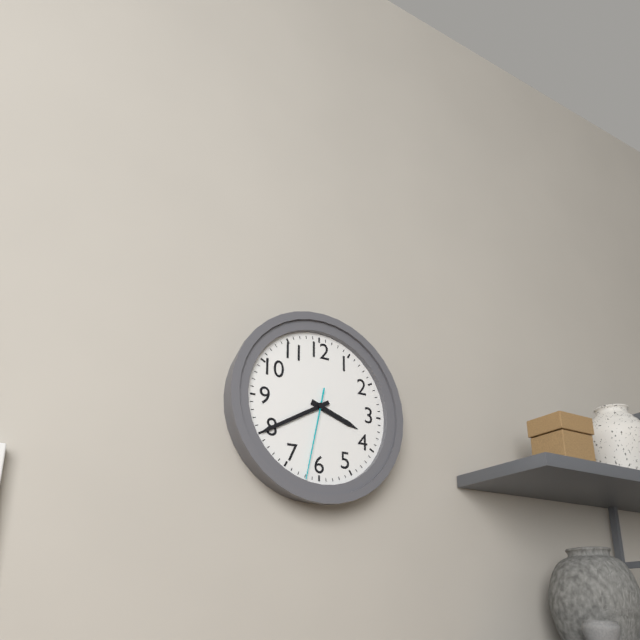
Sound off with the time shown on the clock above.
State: 3:40:32
